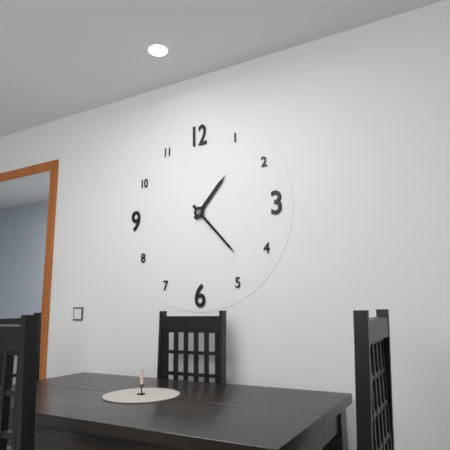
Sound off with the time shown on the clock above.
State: 1:23
